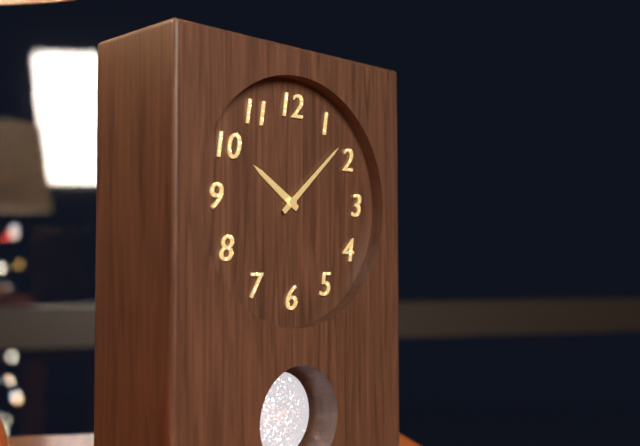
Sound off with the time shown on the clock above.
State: 10:08
